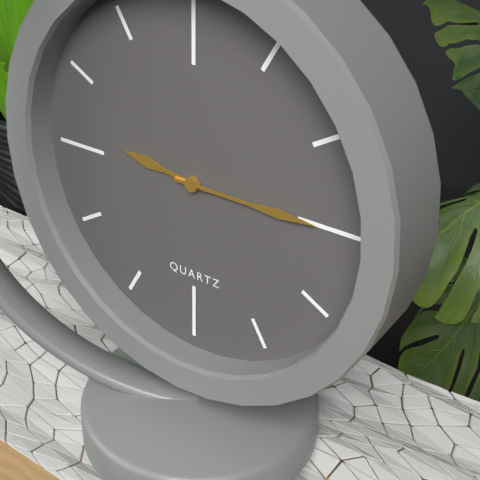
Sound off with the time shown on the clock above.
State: 9:15
